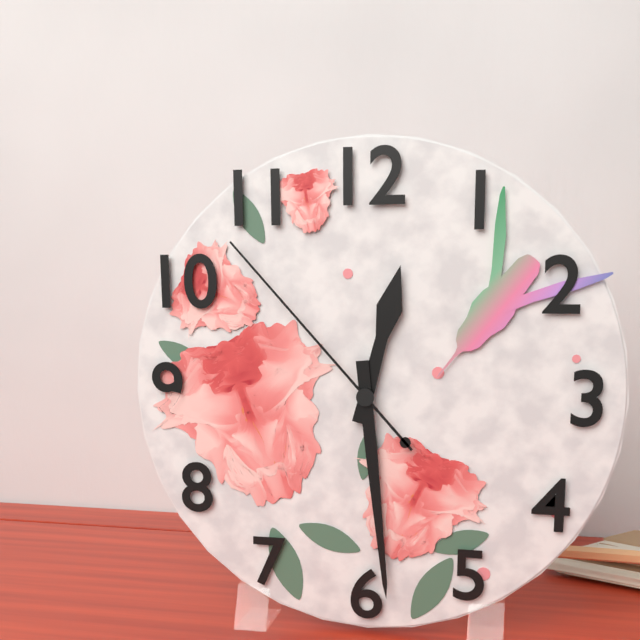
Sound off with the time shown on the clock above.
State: 12:29:53
